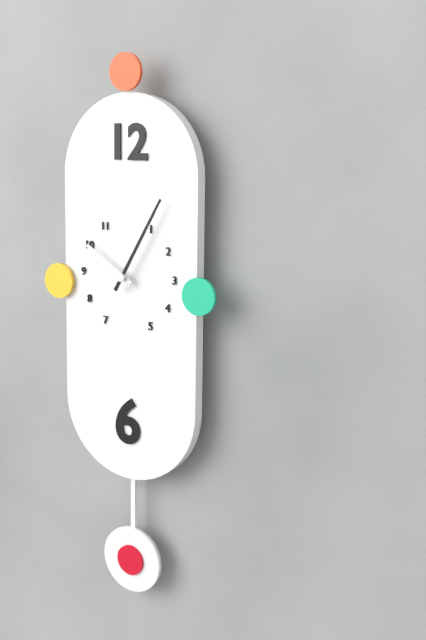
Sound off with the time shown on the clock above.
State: 10:05
